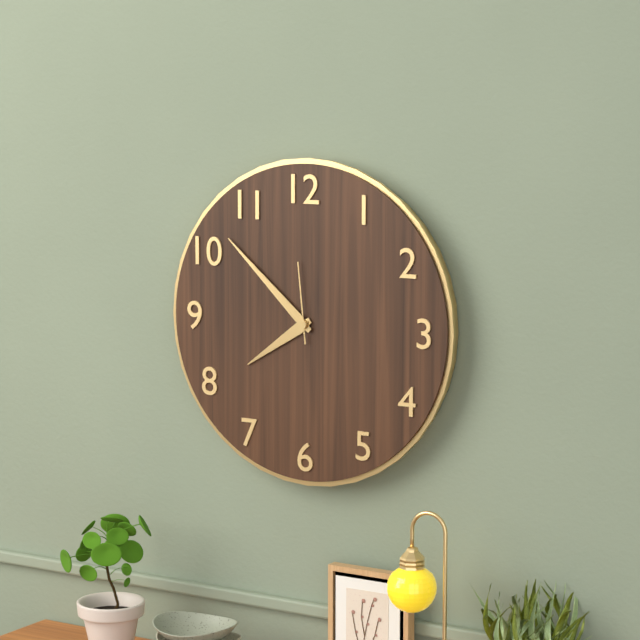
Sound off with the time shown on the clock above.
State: 7:52:59
